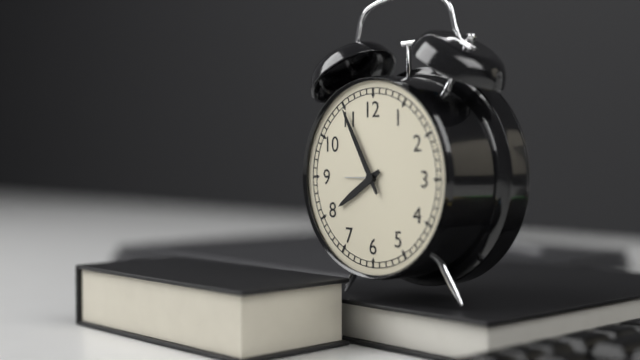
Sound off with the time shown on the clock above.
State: 7:55
